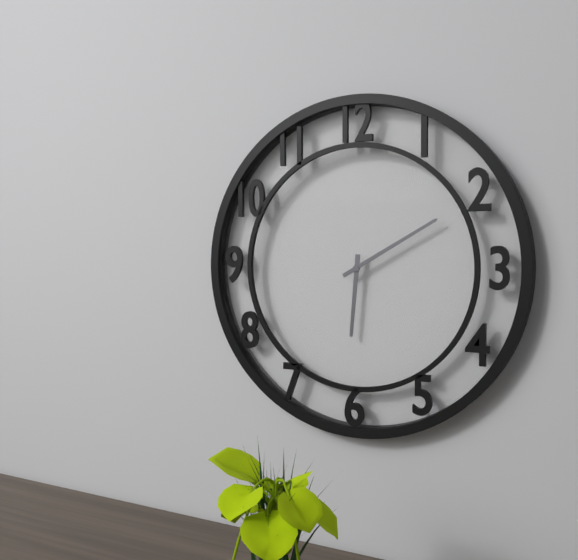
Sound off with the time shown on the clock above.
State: 6:10
